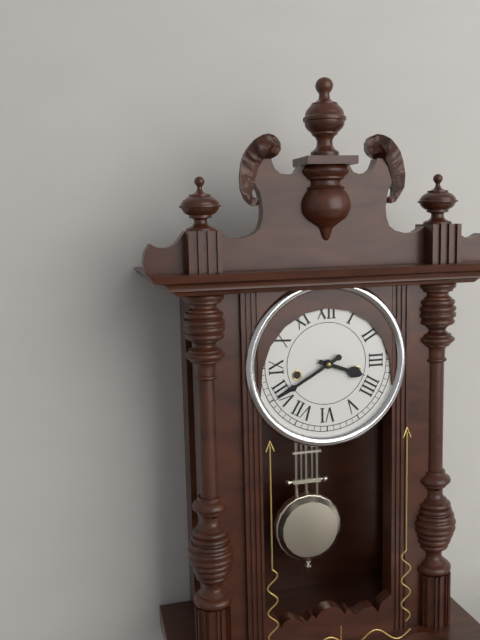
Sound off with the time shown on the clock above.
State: 3:40
